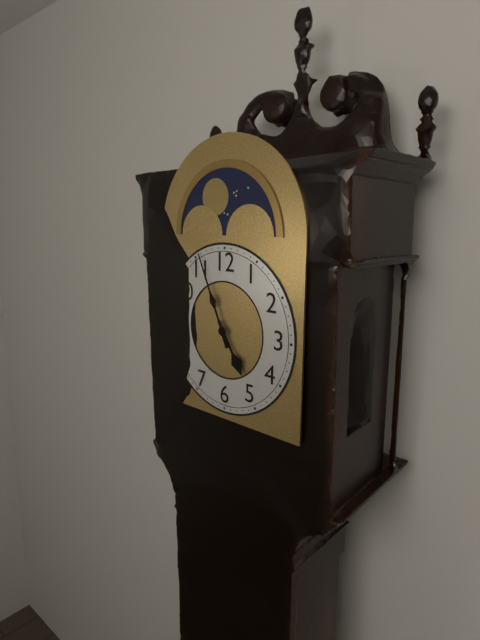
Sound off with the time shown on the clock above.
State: 4:56
